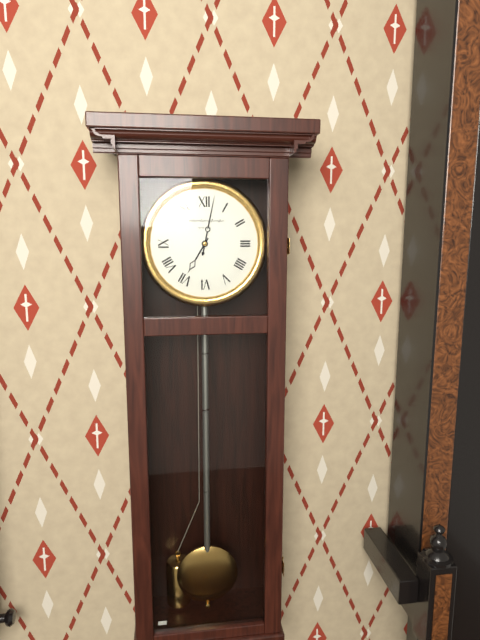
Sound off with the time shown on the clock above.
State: 7:02
